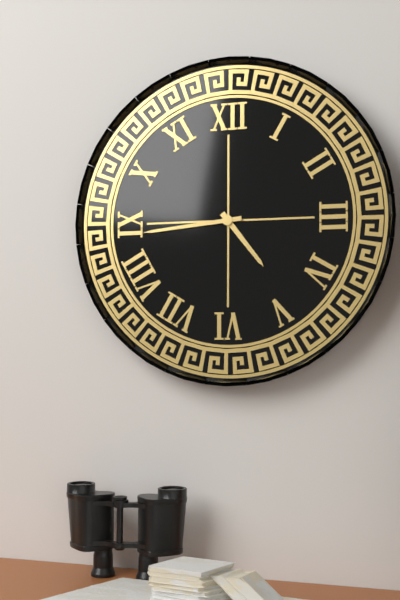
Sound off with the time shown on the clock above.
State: 4:44
